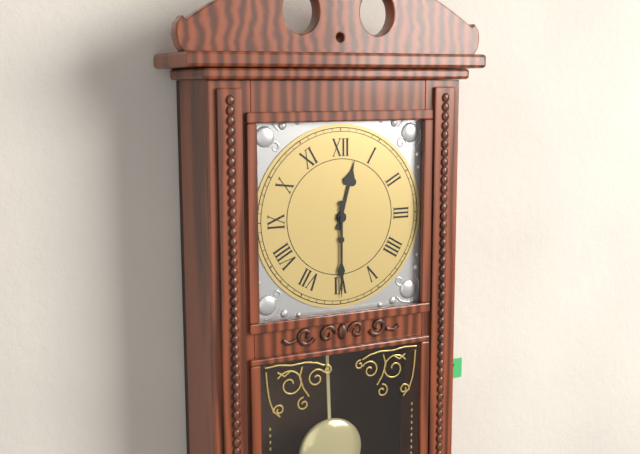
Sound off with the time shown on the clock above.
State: 12:30
